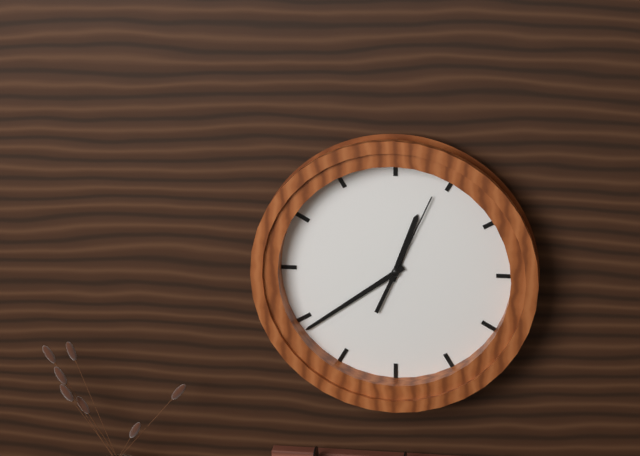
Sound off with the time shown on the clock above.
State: 12:39:04
